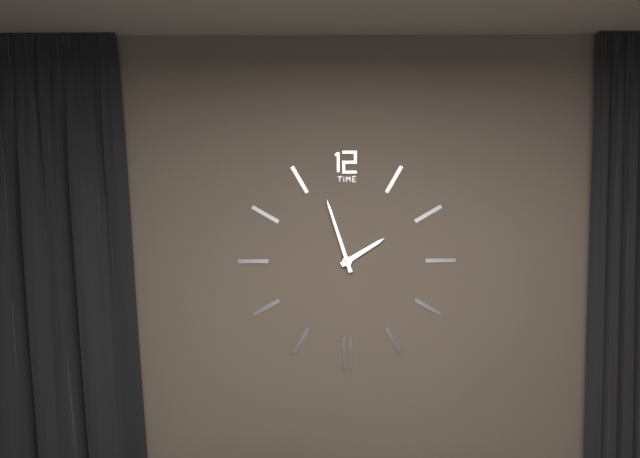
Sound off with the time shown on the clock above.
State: 1:57
